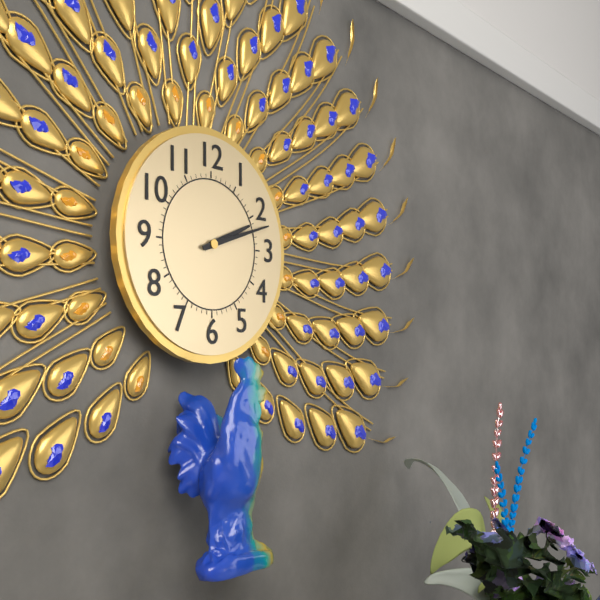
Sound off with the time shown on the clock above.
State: 2:12
